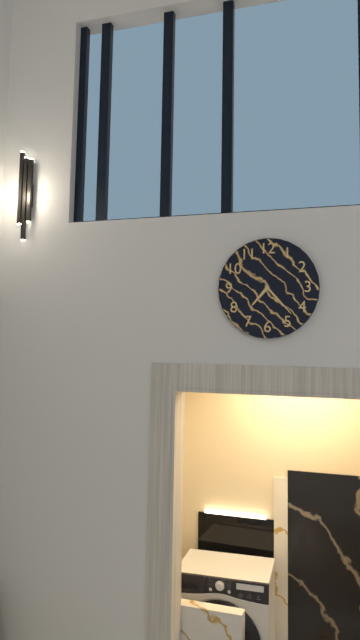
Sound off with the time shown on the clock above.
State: 7:23
